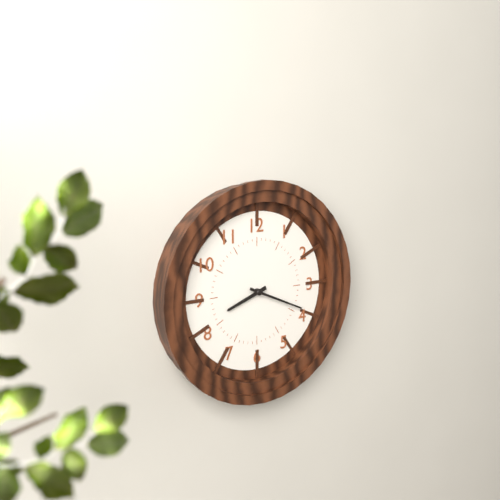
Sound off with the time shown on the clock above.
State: 8:19
